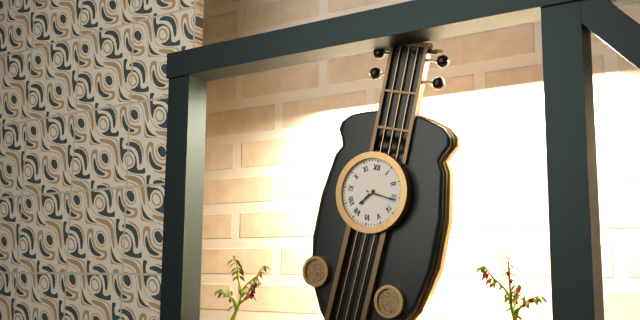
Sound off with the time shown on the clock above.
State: 7:16
